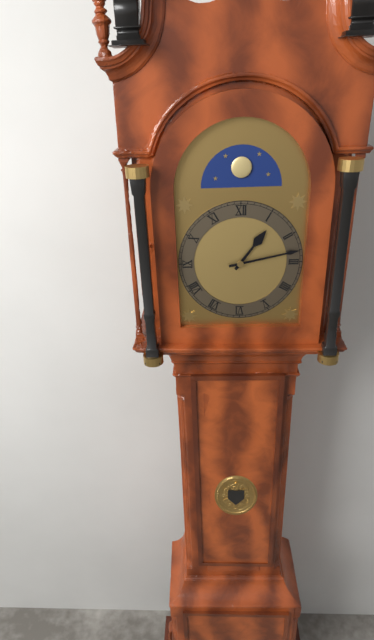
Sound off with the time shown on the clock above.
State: 1:13
